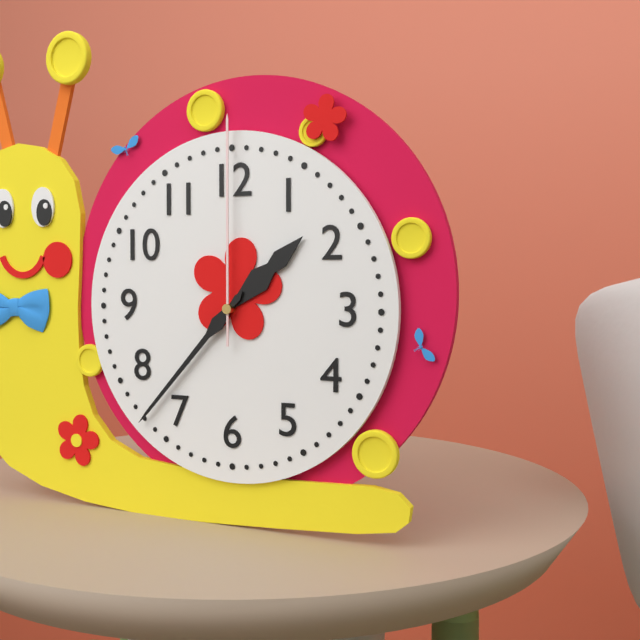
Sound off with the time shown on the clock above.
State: 1:37:00
